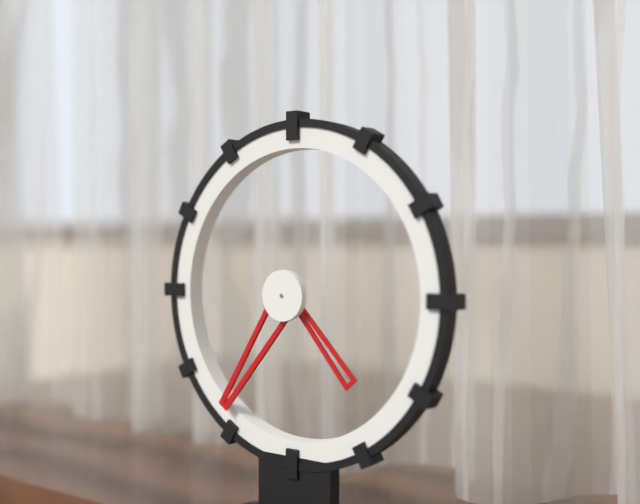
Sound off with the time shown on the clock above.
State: 4:36
